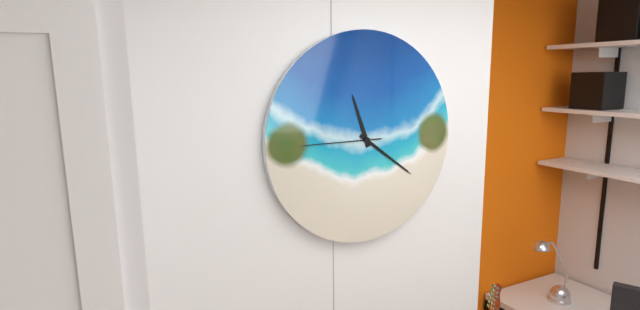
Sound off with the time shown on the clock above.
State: 11:21:45
